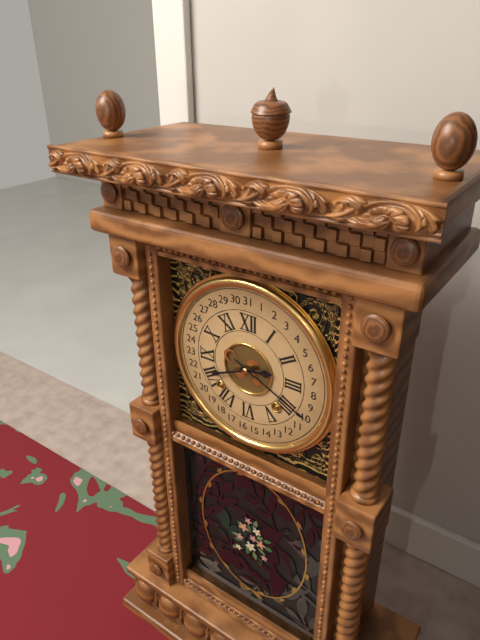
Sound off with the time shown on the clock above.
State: 2:41
